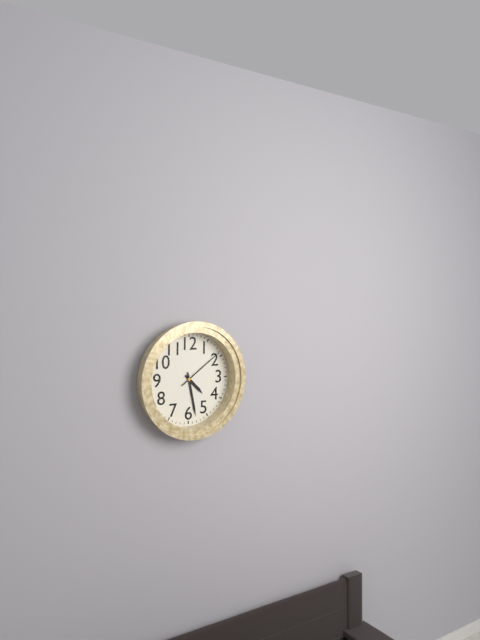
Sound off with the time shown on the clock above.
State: 4:28
